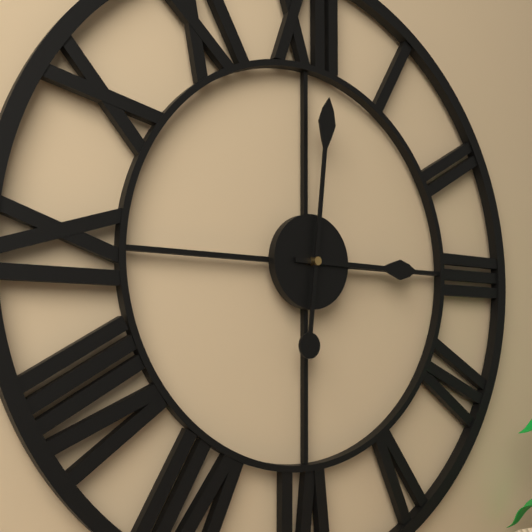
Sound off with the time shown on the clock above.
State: 3:01
